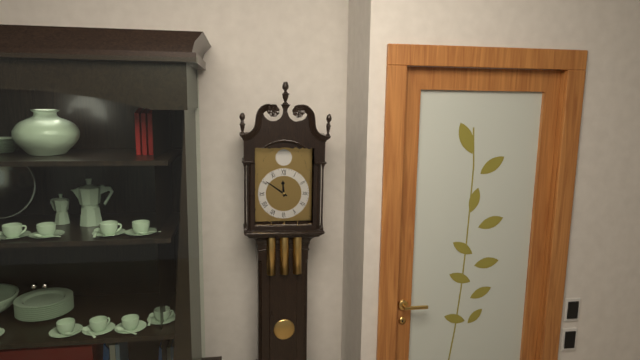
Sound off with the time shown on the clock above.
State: 11:51
